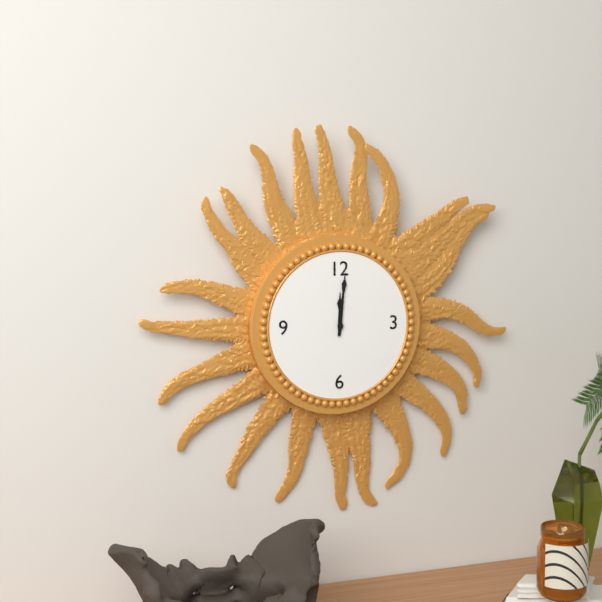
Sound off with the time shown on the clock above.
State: 12:01
